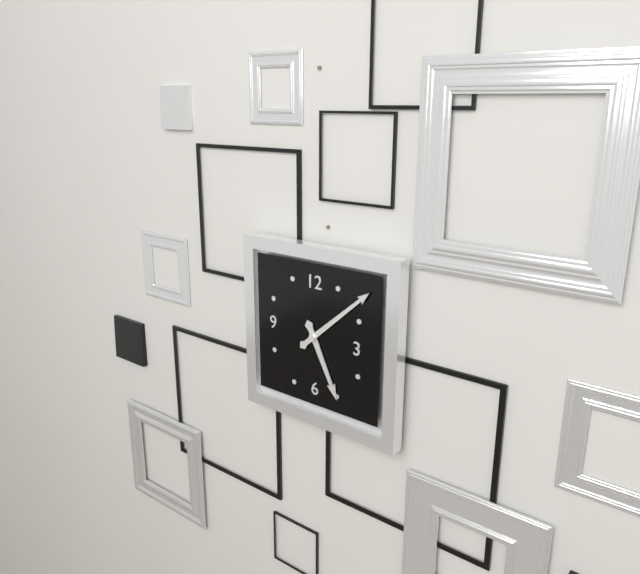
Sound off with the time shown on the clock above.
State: 5:08
